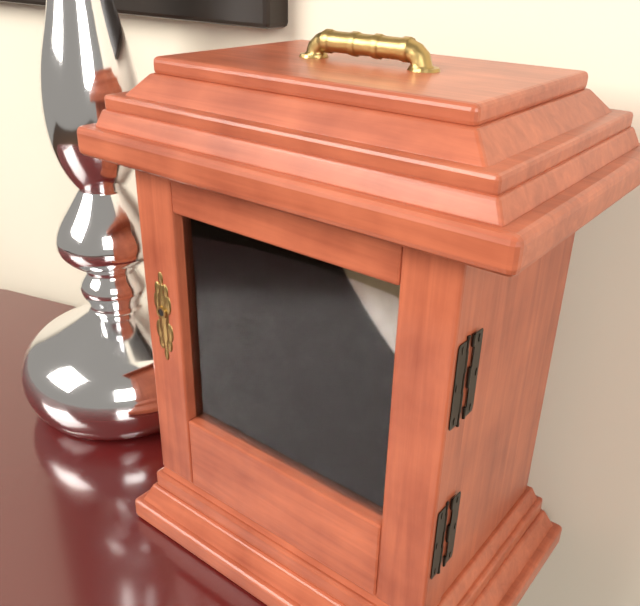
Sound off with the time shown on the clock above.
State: 4:45
